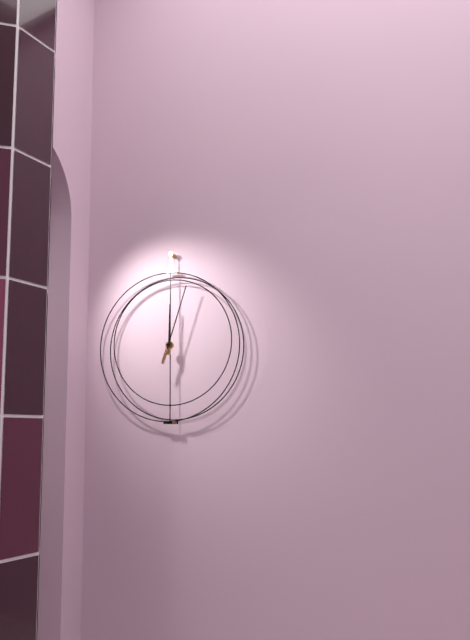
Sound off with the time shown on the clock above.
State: 12:03
